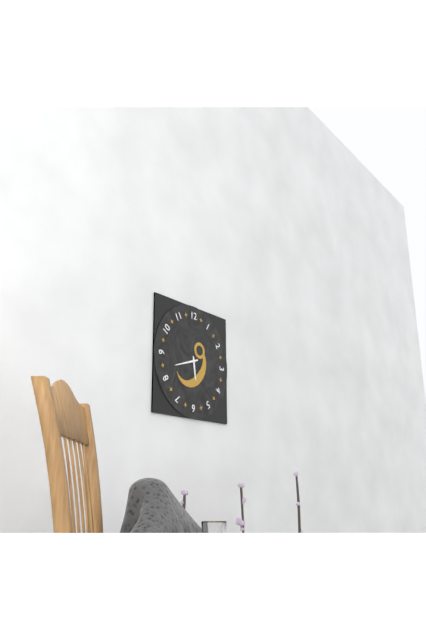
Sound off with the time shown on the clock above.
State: 5:42
